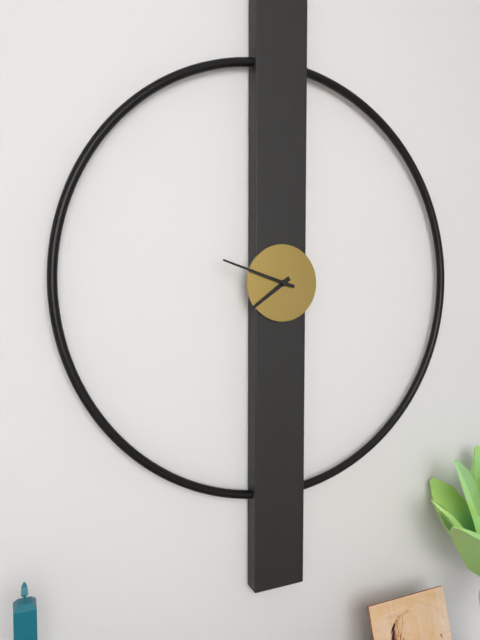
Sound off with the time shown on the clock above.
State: 7:48
